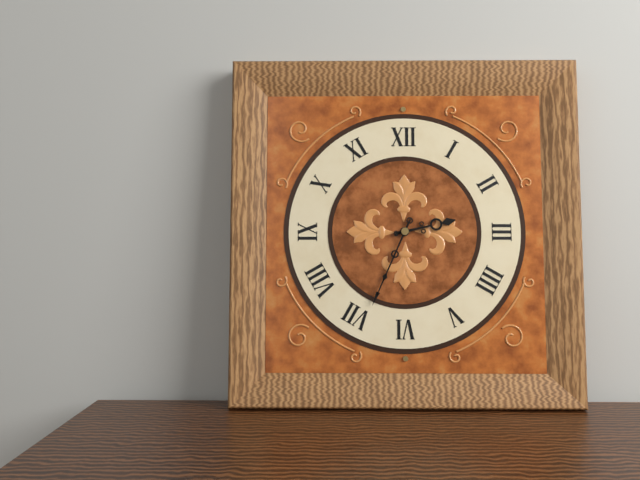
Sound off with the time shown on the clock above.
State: 2:34
